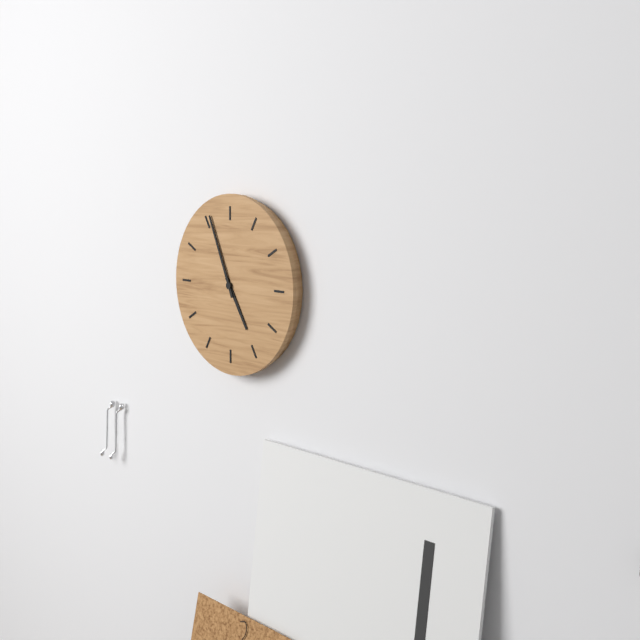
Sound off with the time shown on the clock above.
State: 4:56
